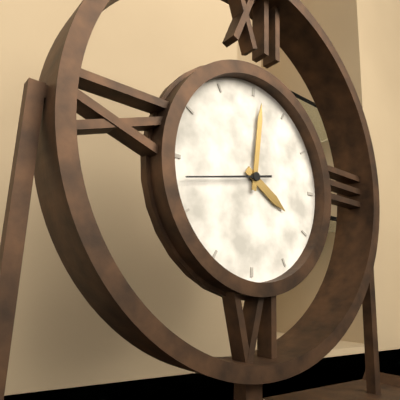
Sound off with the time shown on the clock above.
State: 4:01:43
